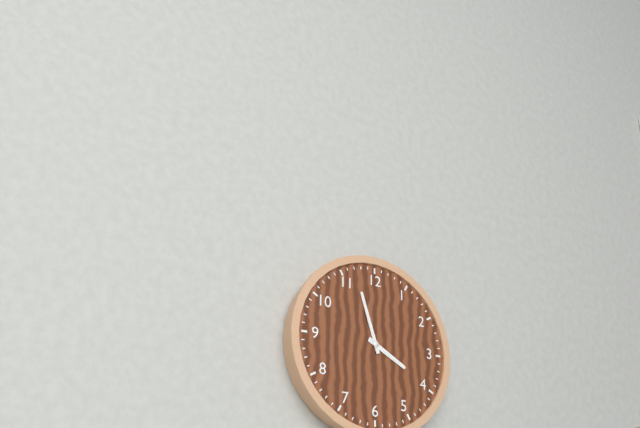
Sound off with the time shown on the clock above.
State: 3:57
